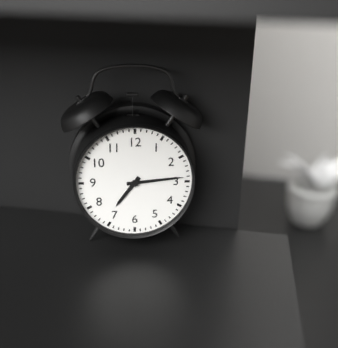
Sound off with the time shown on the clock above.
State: 7:14
